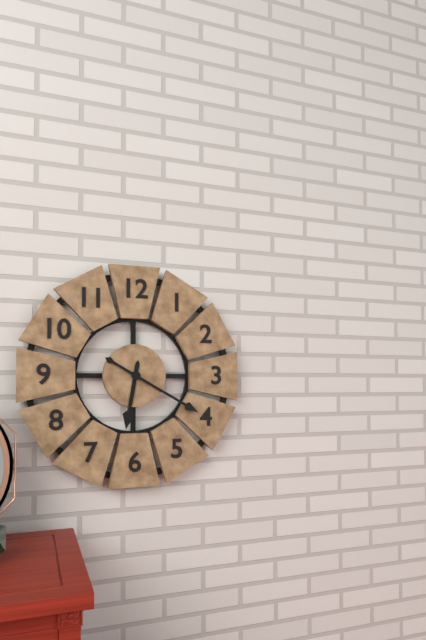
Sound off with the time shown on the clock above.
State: 6:20
